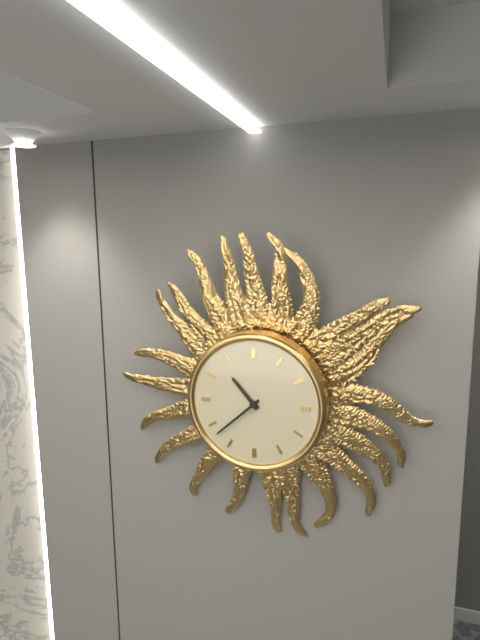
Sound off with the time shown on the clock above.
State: 10:38
